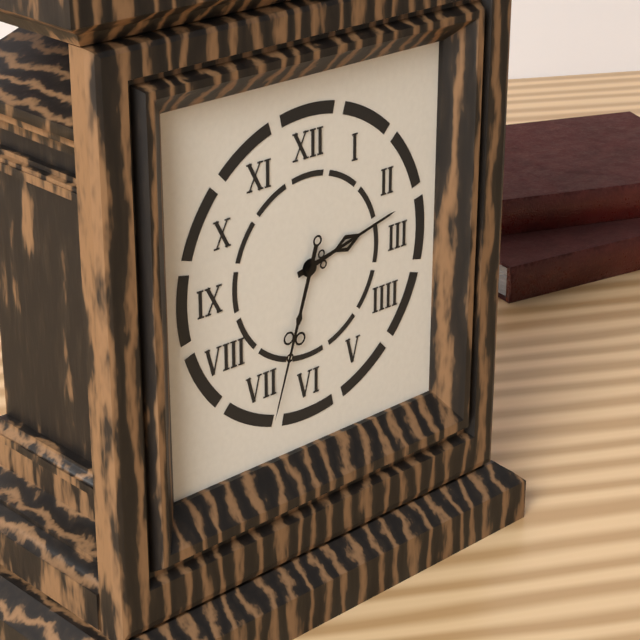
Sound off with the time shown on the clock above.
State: 2:33
